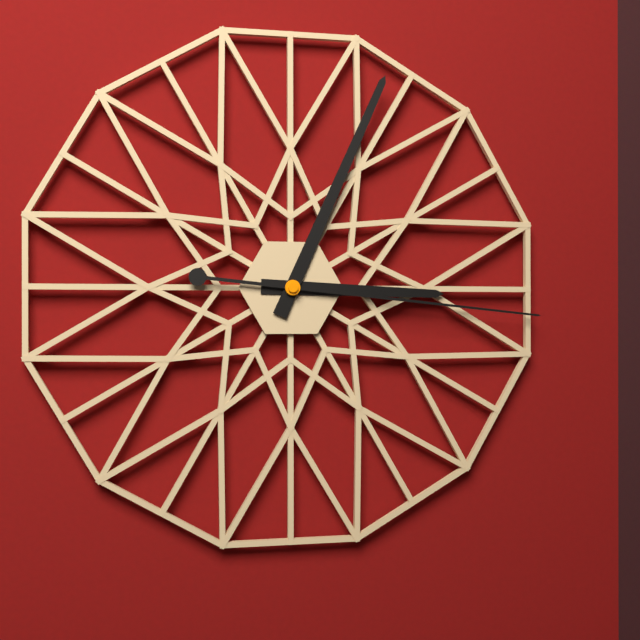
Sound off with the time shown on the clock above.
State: 3:04:16
